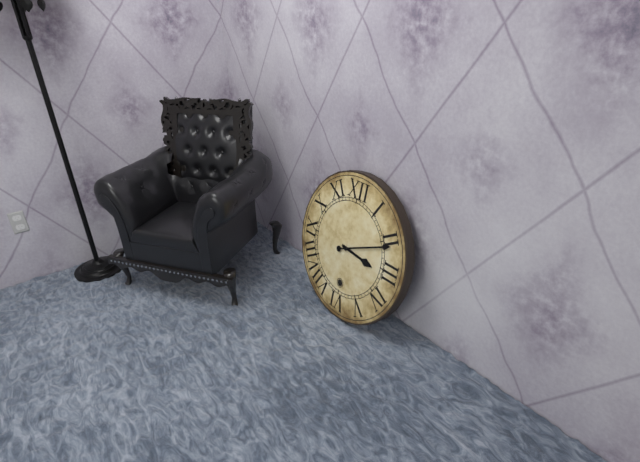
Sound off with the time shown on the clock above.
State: 3:11
